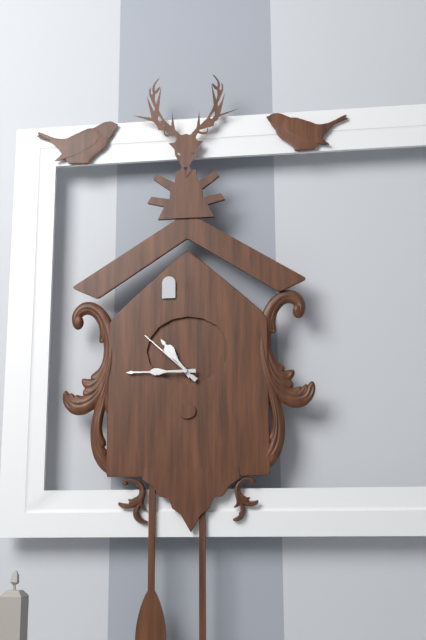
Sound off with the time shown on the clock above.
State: 10:45:52
